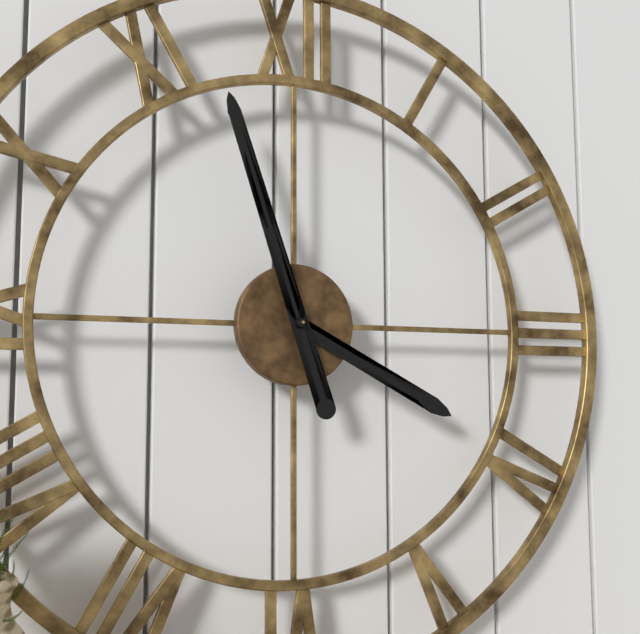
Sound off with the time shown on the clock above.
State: 3:57
